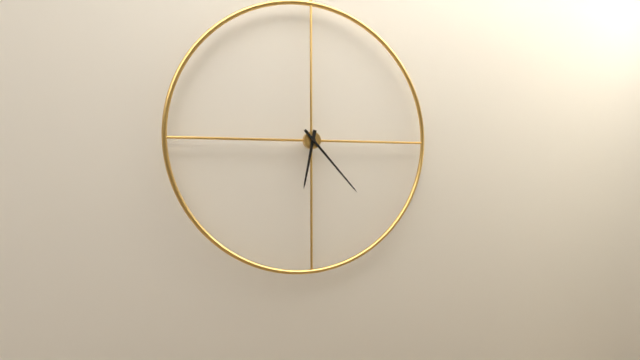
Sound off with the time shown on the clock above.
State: 6:23
